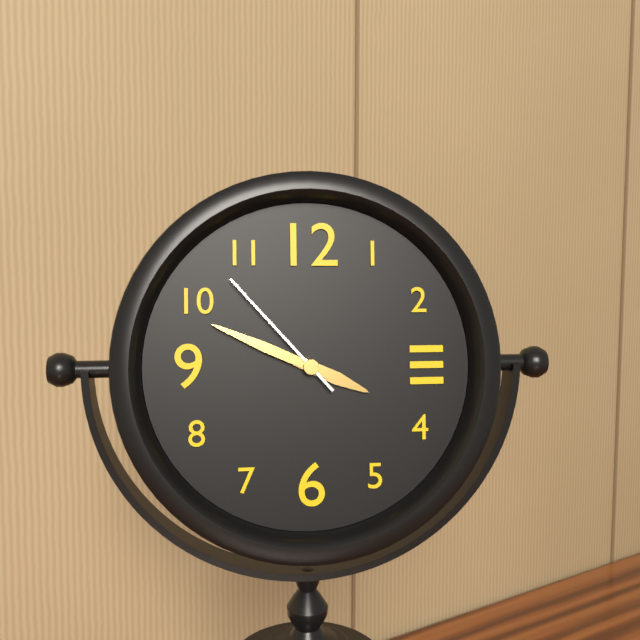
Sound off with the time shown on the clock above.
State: 3:49:53
